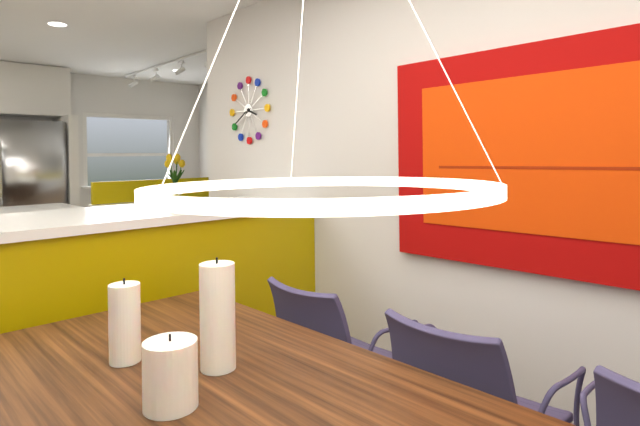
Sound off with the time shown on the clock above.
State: 3:40
